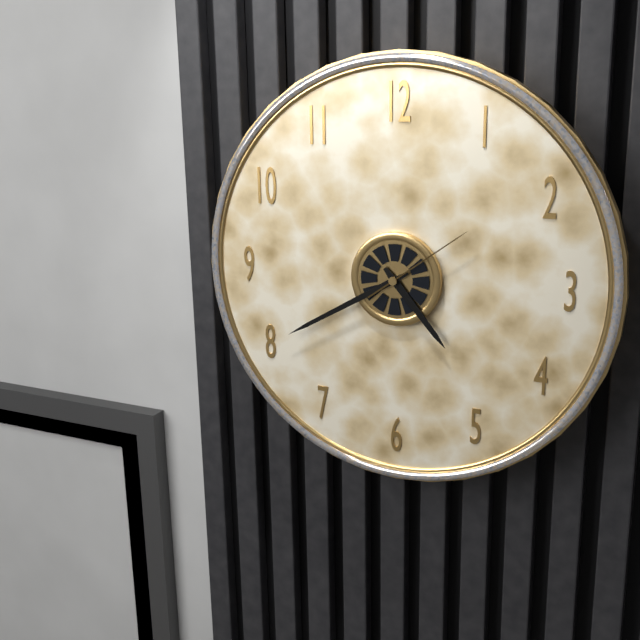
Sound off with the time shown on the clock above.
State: 4:40:09
